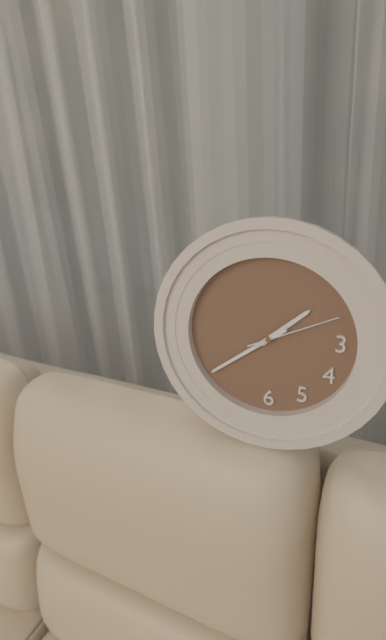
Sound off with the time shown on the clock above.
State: 1:39:11
